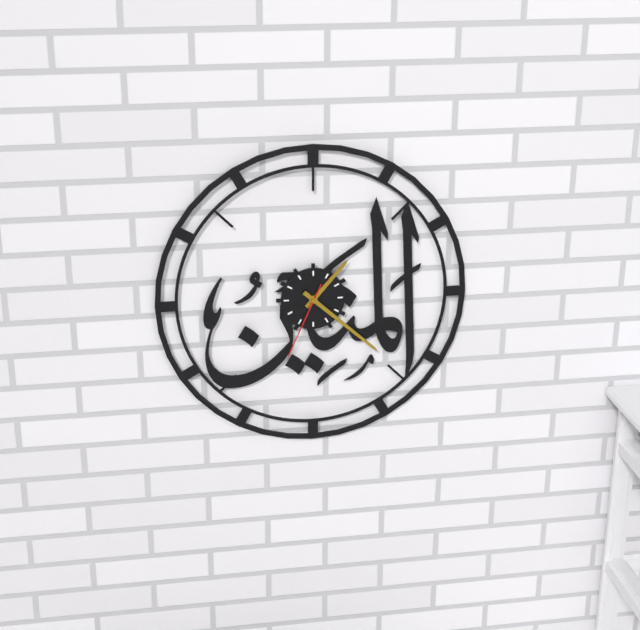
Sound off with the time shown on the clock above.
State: 1:22:34
